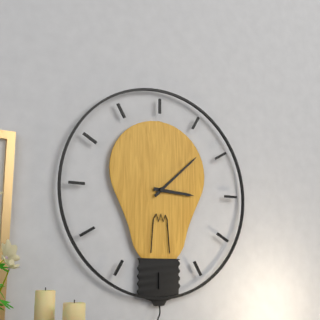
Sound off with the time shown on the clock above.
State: 3:08
